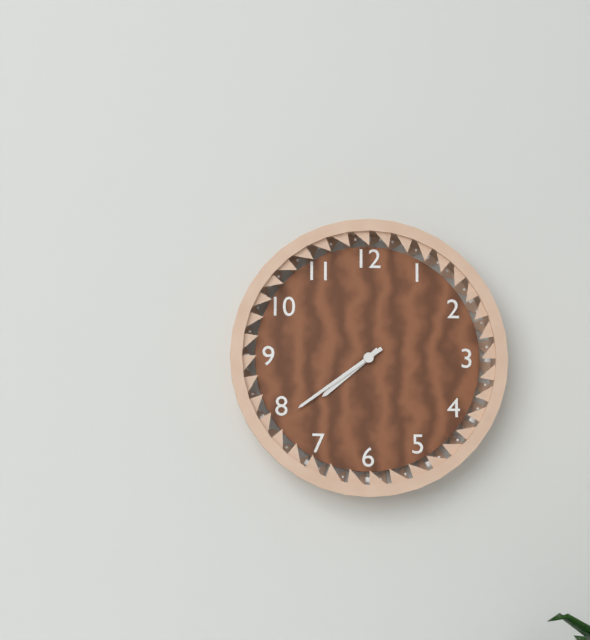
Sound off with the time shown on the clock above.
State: 7:39
